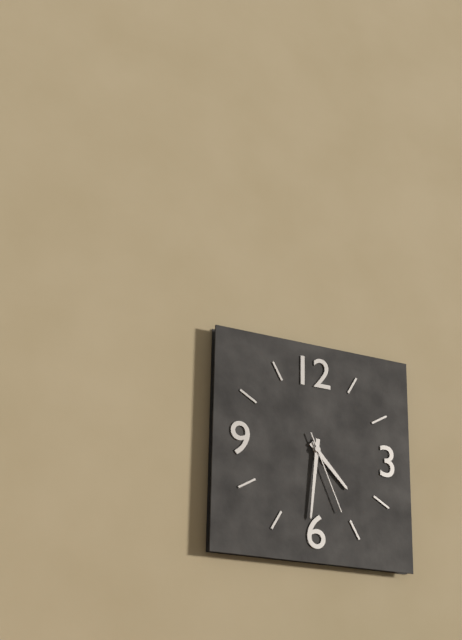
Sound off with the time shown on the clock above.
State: 4:31:26
